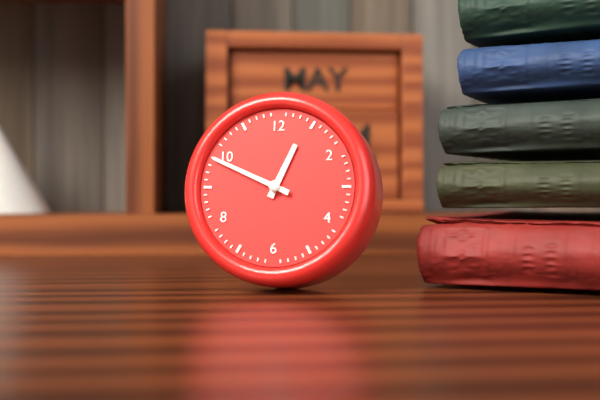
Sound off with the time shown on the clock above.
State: 12:49
